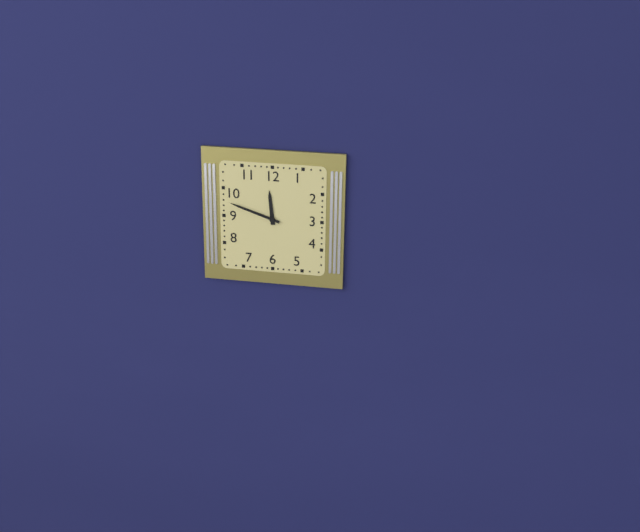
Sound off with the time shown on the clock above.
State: 11:48
